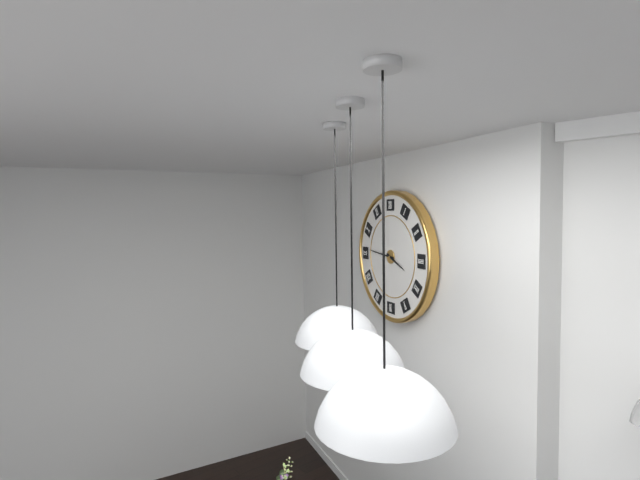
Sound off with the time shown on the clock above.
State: 3:46
